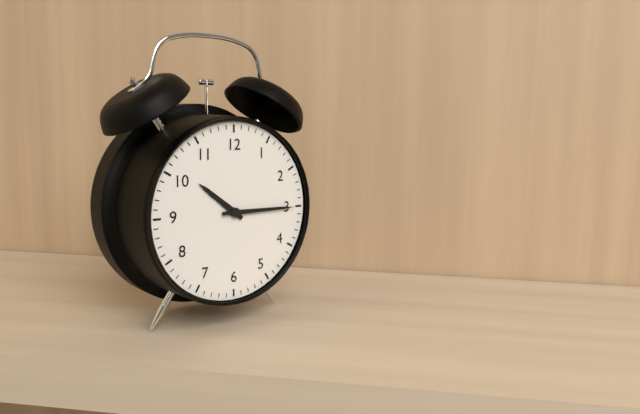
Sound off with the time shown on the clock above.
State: 10:15
